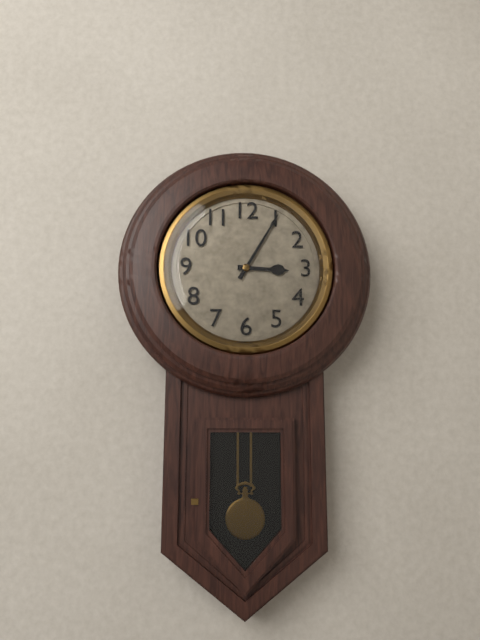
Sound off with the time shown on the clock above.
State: 3:05
